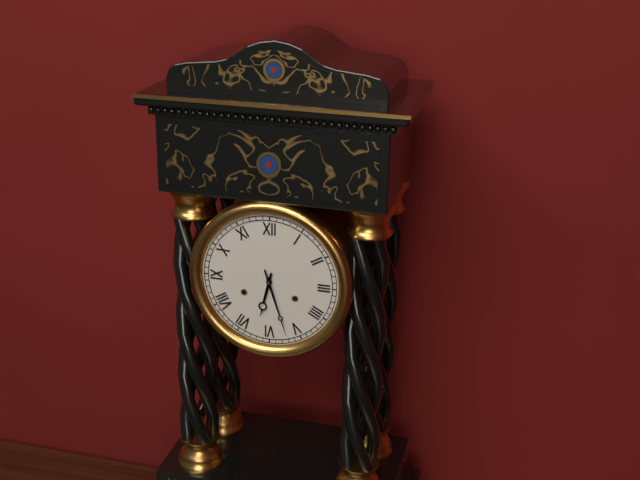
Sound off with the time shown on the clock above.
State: 6:27
